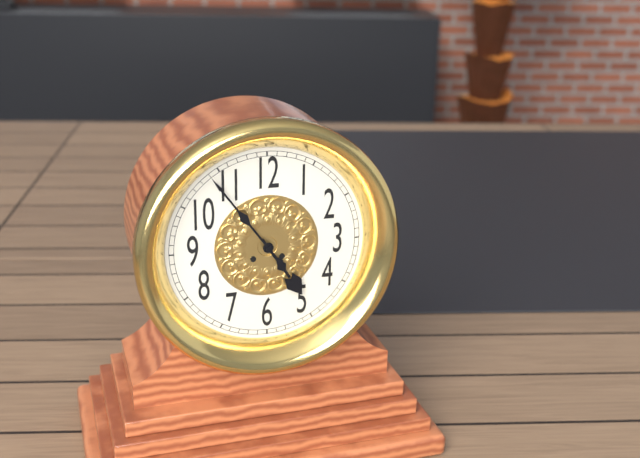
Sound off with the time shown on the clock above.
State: 4:54
